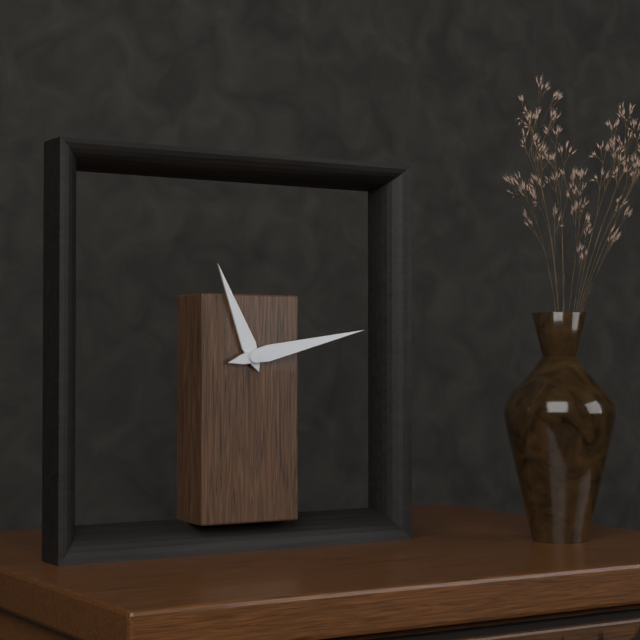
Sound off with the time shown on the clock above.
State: 11:13
